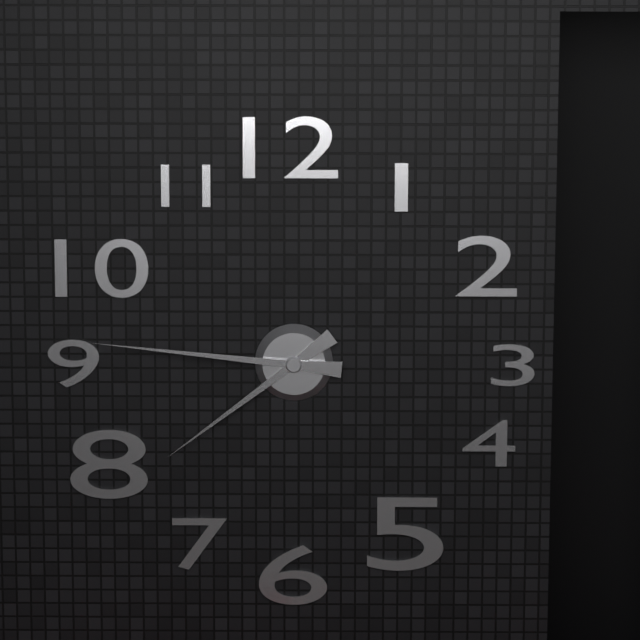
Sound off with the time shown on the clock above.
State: 7:46
